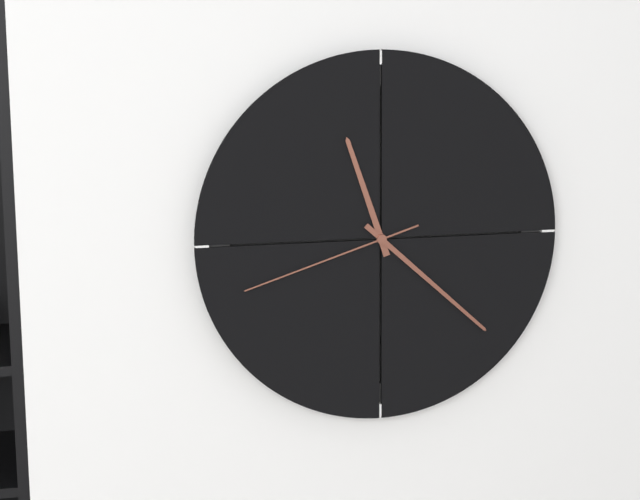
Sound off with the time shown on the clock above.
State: 11:22:42
